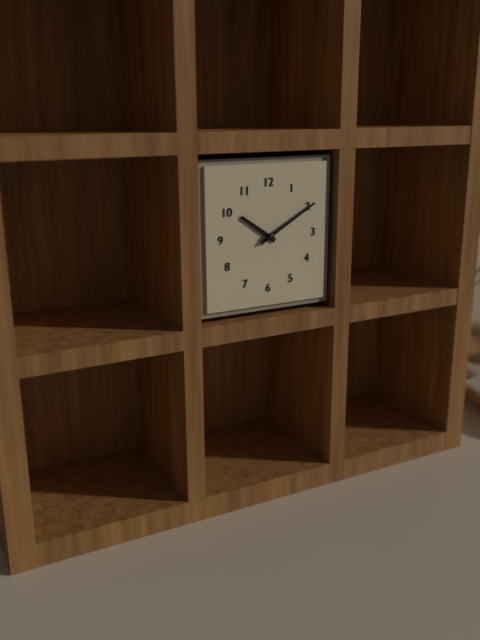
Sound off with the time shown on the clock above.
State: 10:10
